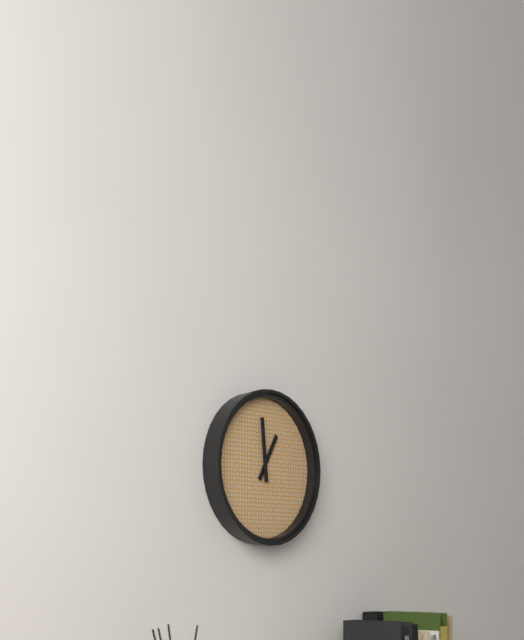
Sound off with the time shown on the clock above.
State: 12:59
